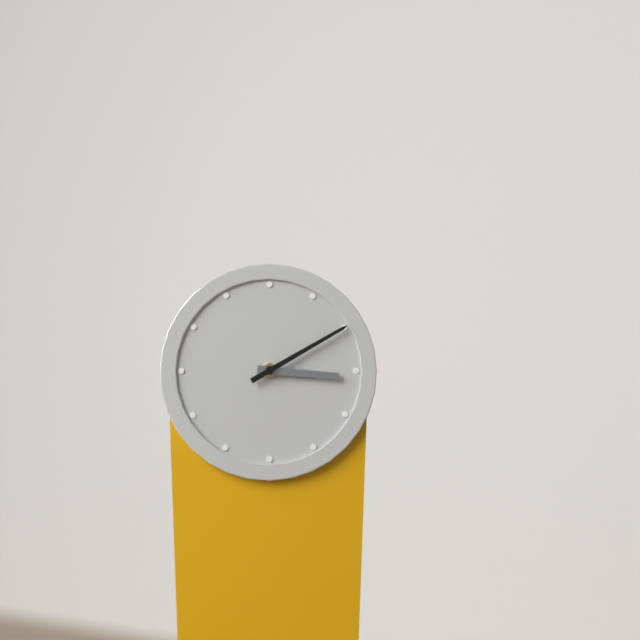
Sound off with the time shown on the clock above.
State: 3:10
